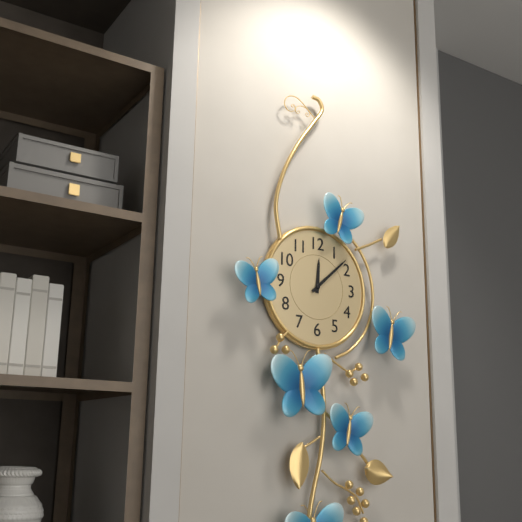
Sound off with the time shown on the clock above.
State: 12:08
